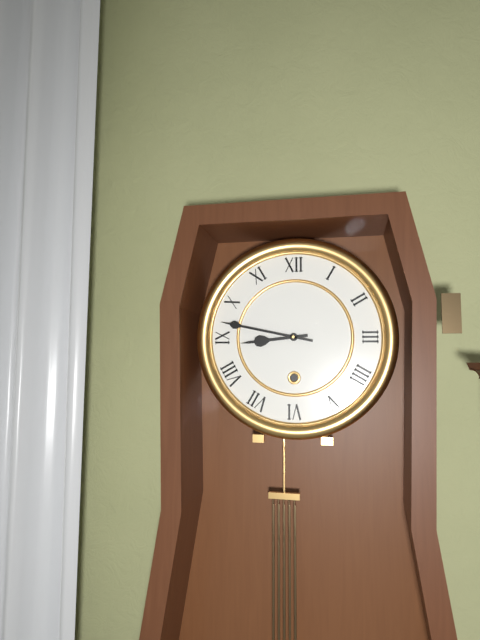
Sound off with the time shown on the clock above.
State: 8:47
